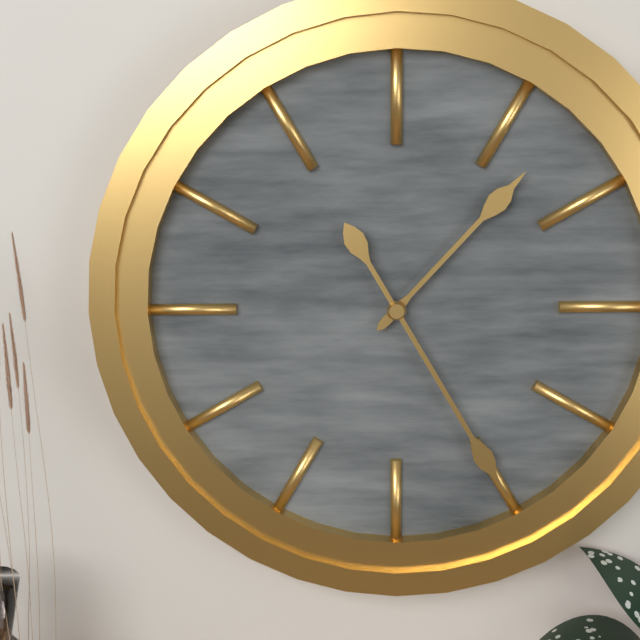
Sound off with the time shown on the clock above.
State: 1:25
